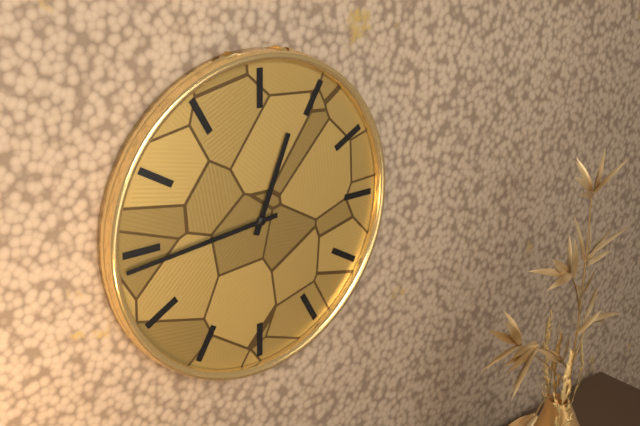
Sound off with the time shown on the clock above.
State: 12:44
